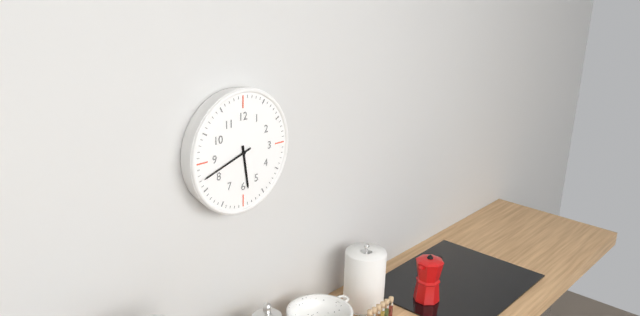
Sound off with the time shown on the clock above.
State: 5:42
